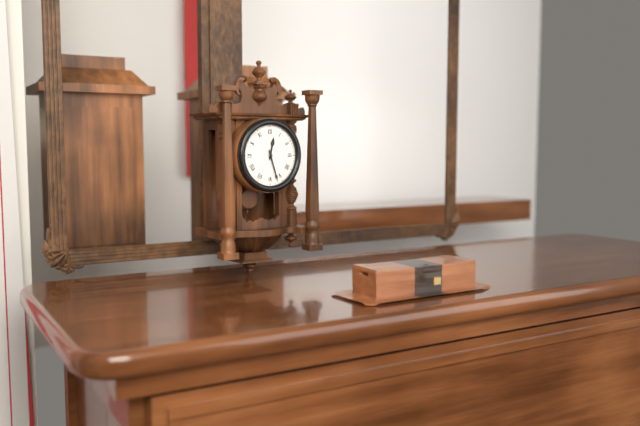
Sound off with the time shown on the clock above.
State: 12:27
